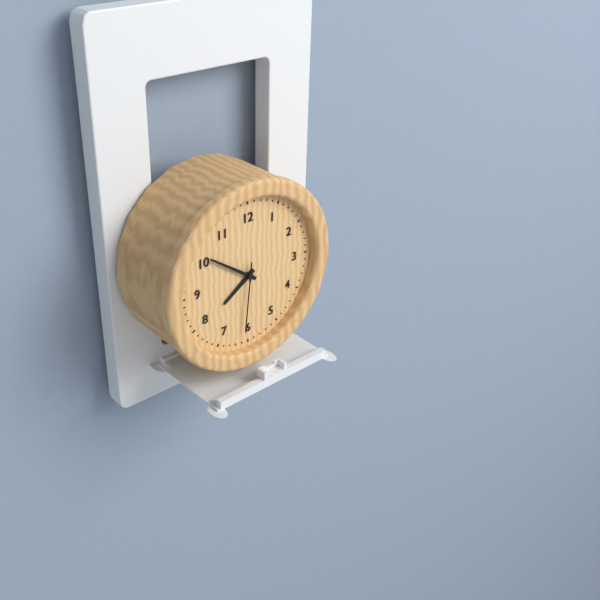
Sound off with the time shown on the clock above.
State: 7:51:31
